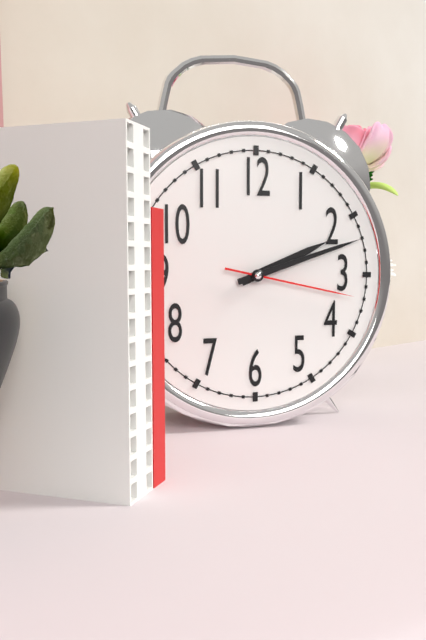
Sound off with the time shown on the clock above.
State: 2:12:17
